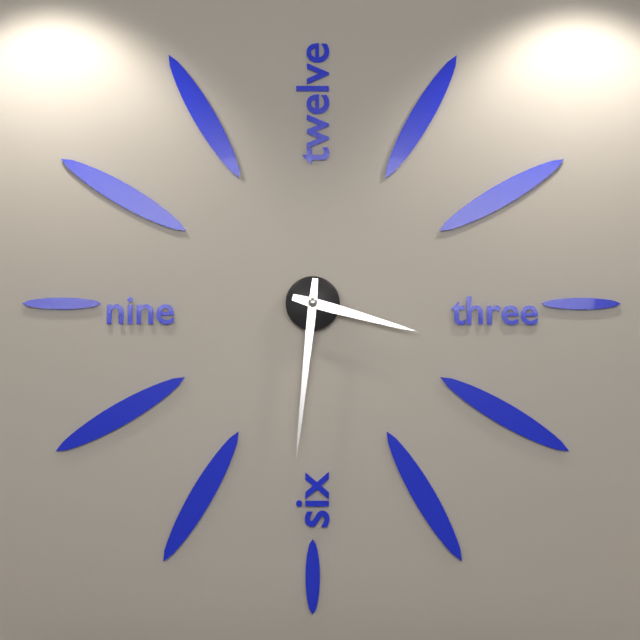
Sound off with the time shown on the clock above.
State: 3:31
